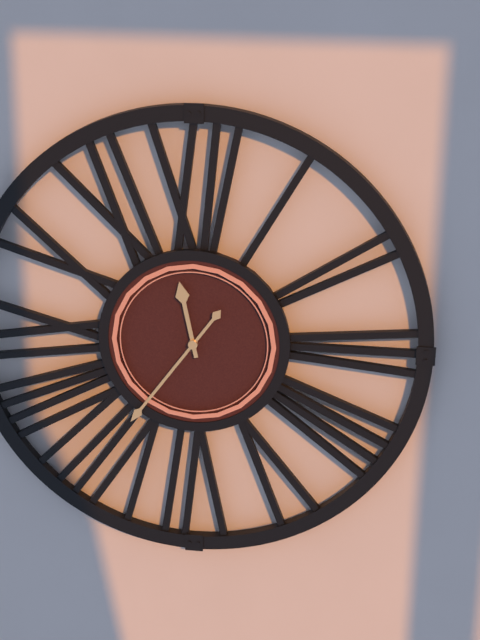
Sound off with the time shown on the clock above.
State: 11:36
